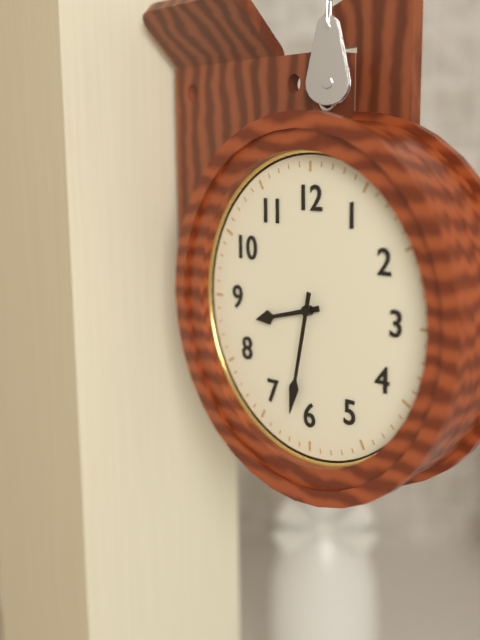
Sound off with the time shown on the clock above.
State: 8:32
